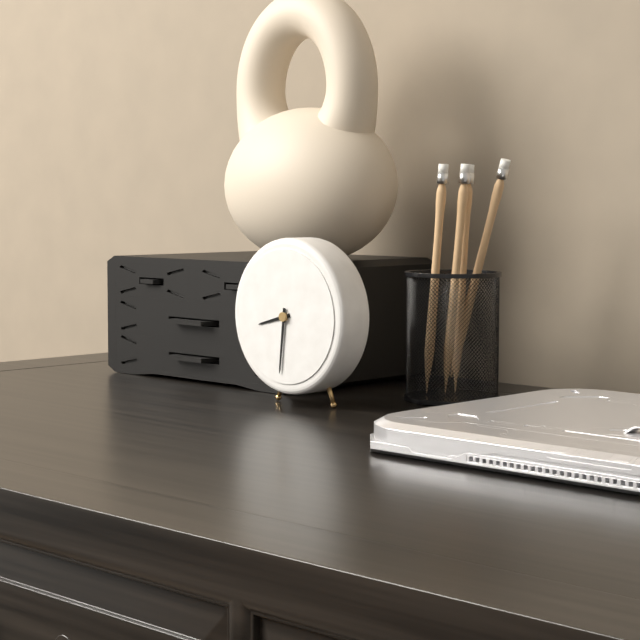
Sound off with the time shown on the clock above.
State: 8:31
